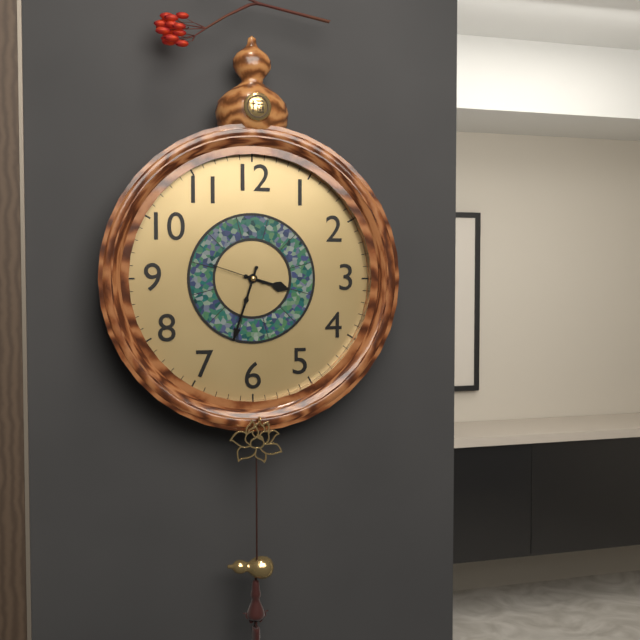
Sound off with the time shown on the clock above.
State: 3:33:48
